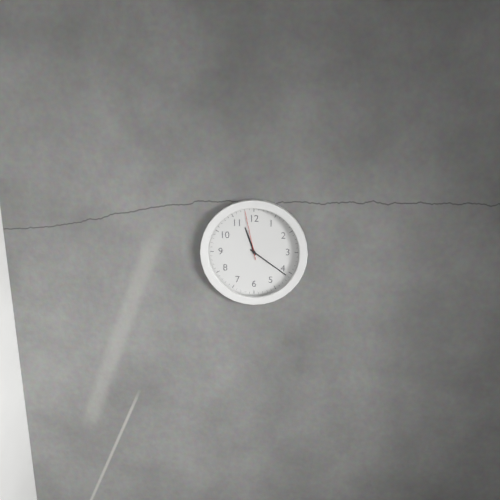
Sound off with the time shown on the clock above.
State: 11:21:58
